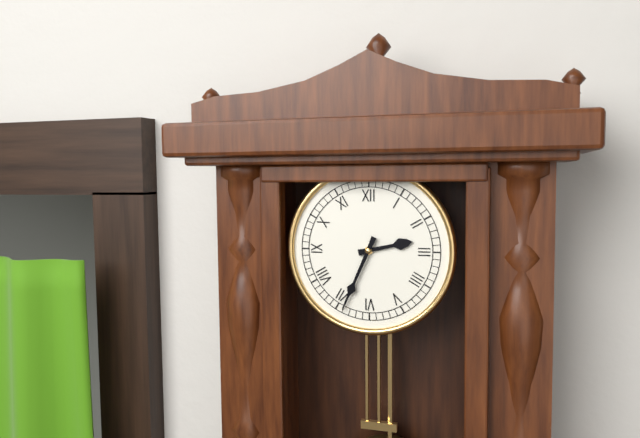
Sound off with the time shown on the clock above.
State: 2:34
